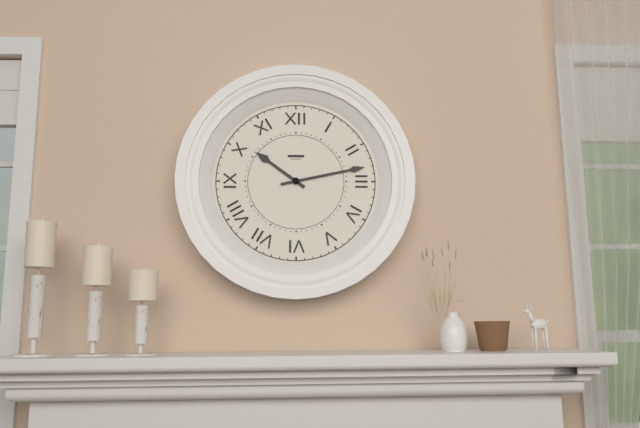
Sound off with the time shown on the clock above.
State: 10:13
